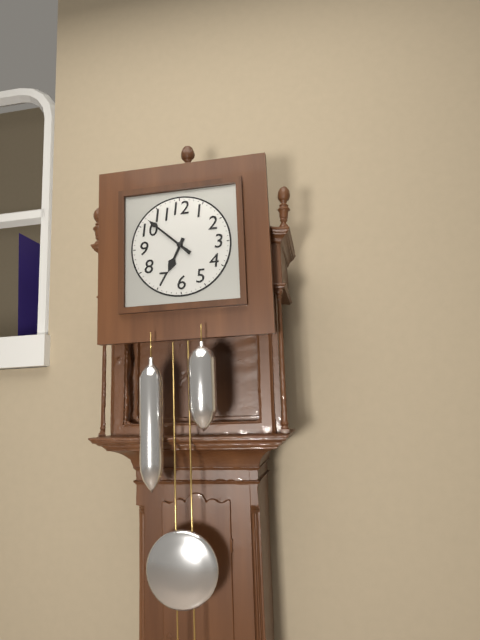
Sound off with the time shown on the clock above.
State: 6:52
